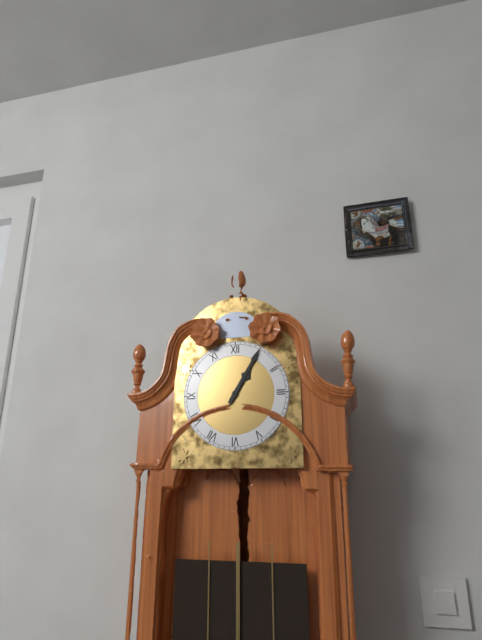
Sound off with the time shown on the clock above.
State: 1:05
